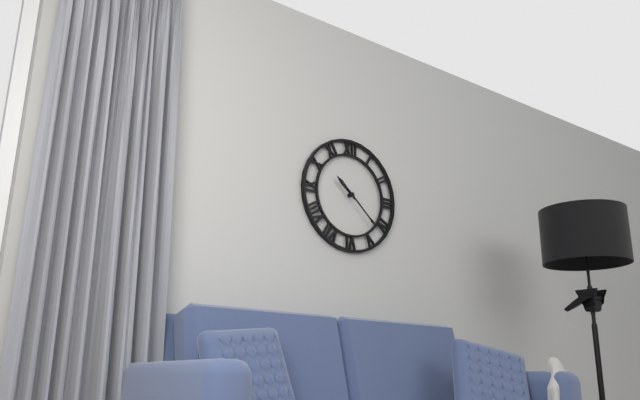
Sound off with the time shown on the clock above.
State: 10:22
